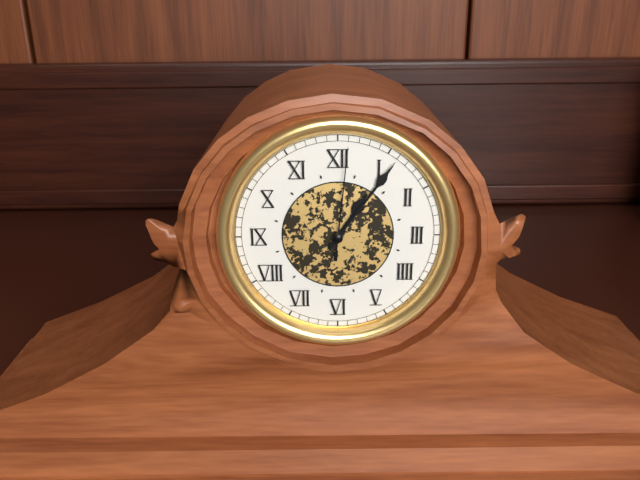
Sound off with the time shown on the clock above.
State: 1:06:01
